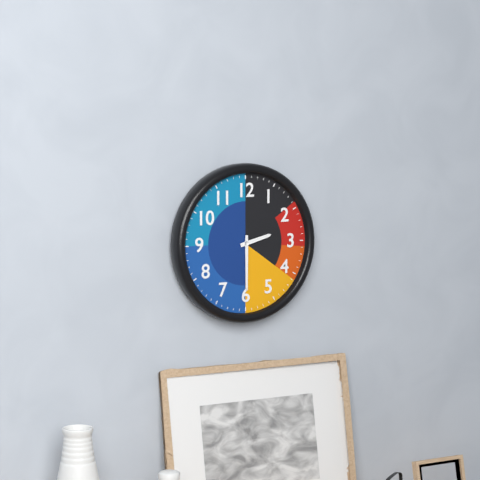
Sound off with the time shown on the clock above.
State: 2:30
